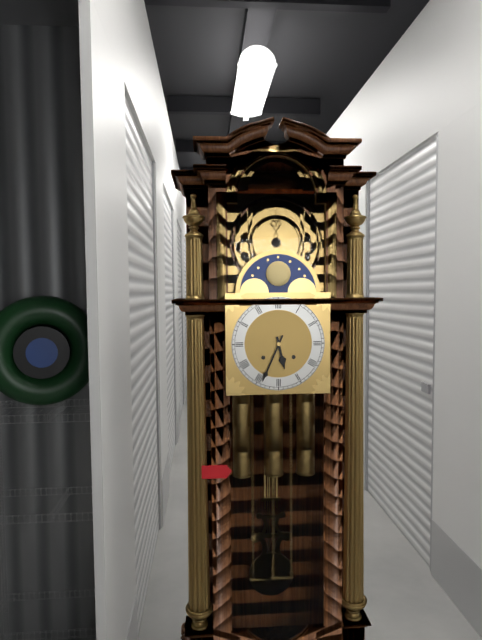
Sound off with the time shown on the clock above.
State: 5:34
